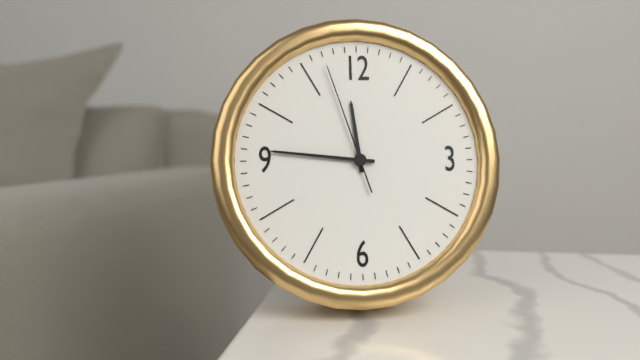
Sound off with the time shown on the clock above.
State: 11:46:57
